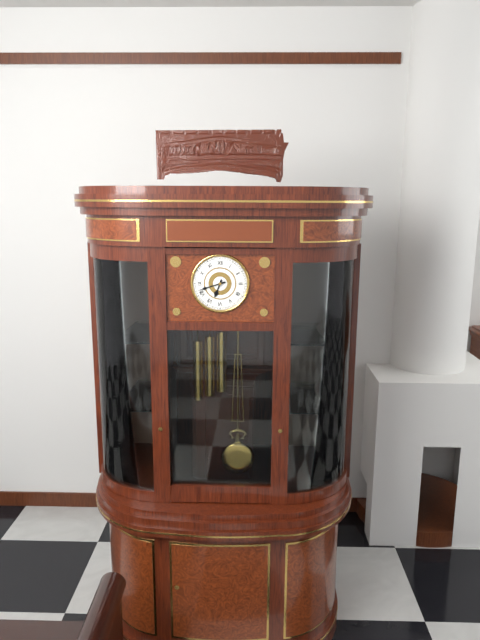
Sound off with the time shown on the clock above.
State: 6:42
